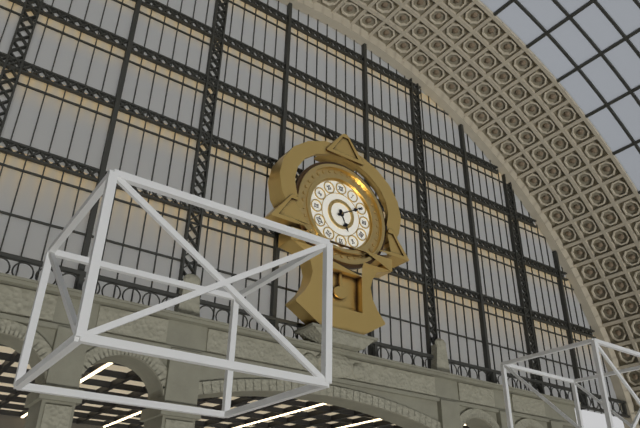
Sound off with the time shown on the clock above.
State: 5:10
